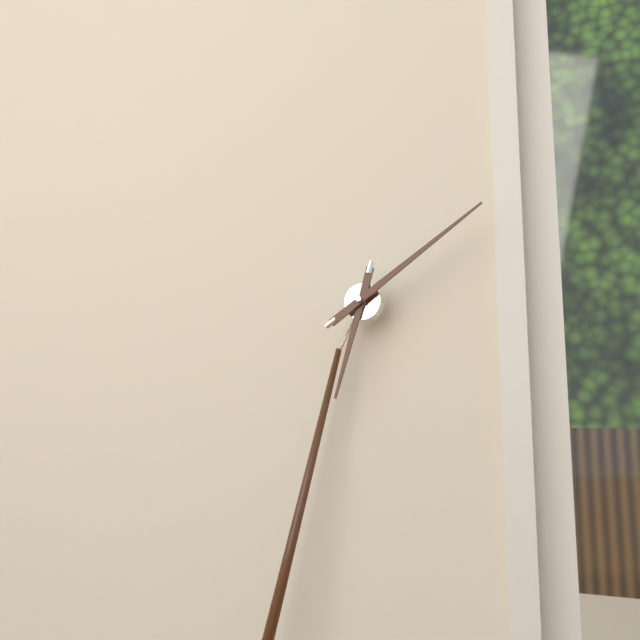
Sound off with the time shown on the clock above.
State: 6:07
